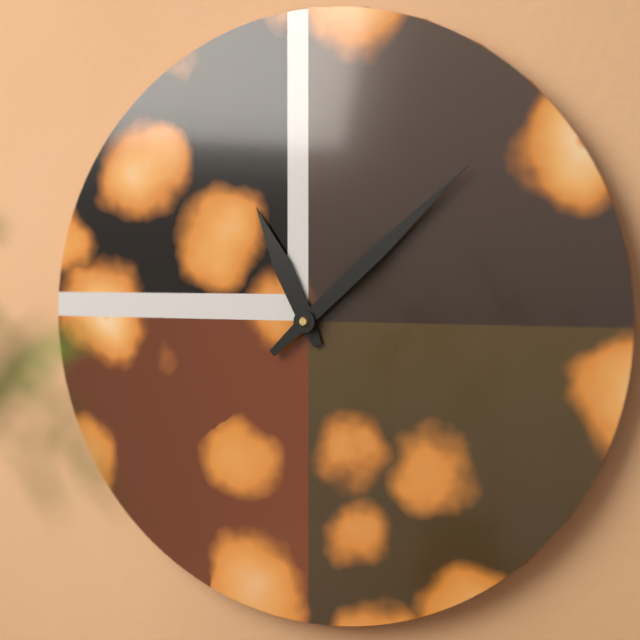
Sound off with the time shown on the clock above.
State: 11:08
